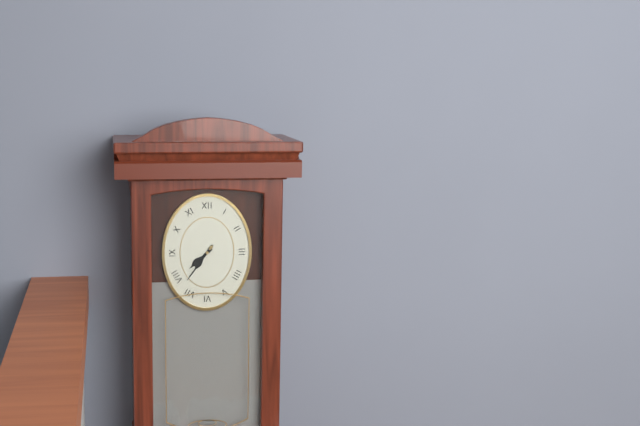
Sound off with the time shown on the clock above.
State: 7:36
